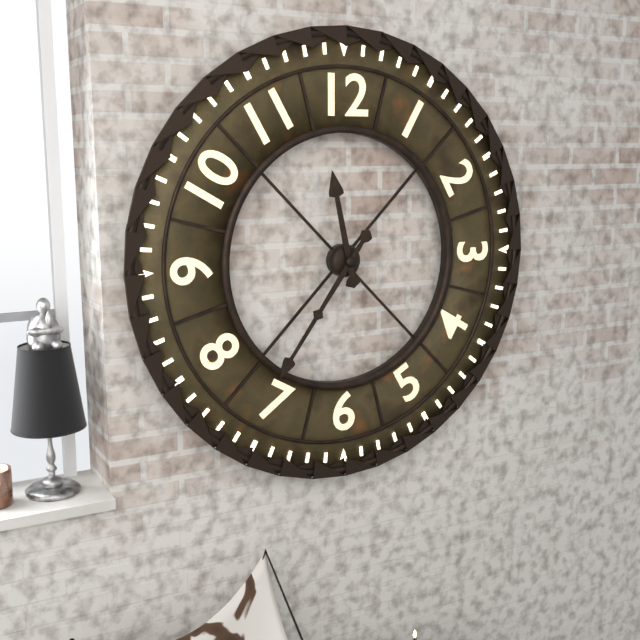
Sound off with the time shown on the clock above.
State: 11:36
